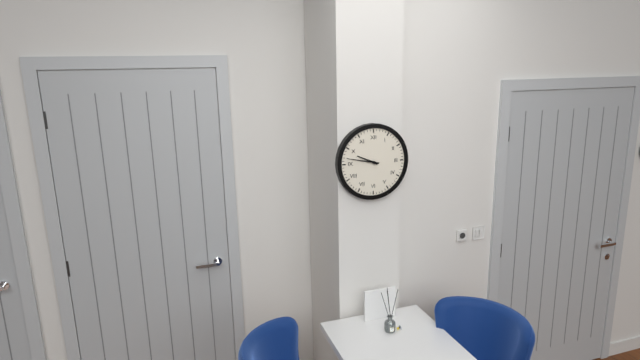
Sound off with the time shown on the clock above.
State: 9:47
